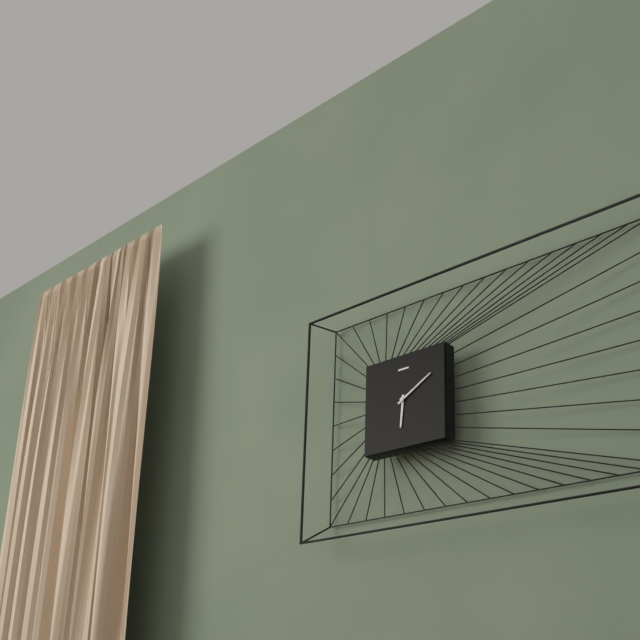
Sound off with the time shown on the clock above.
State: 6:10
